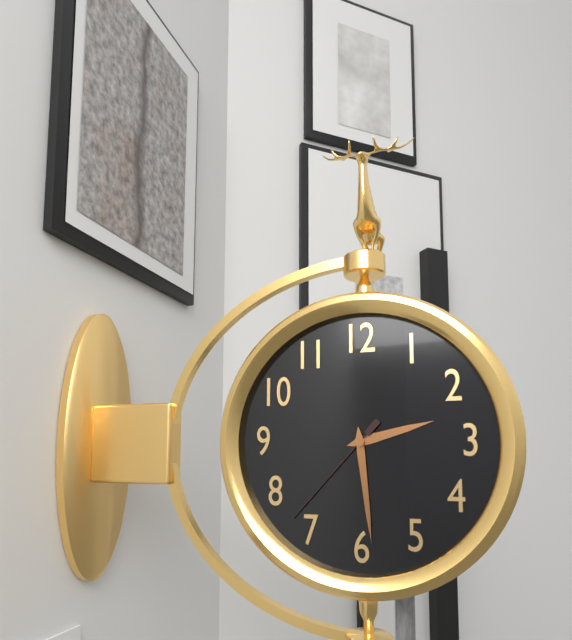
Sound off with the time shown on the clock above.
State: 2:29:37
